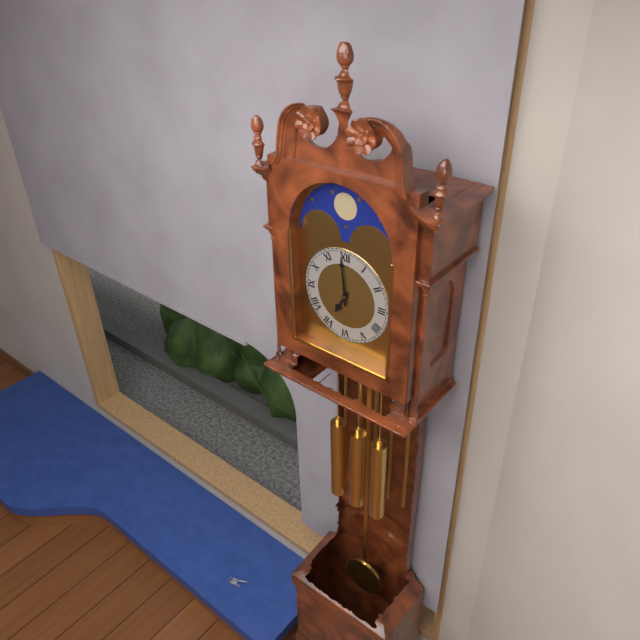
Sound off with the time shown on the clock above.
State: 6:59
